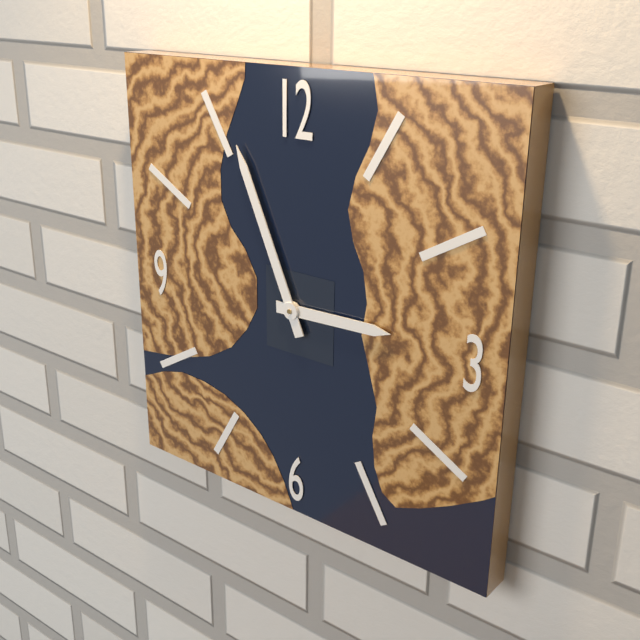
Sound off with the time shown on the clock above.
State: 2:56
